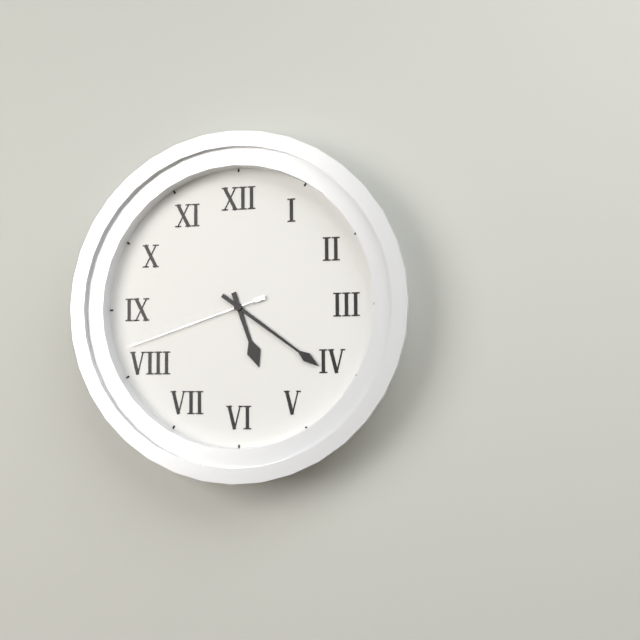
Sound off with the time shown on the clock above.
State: 5:21:42
